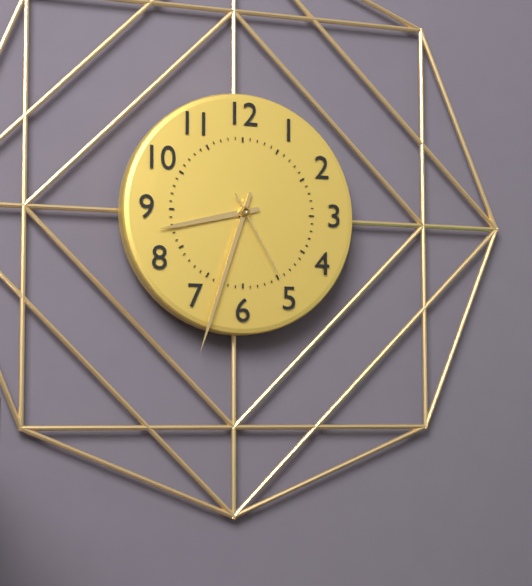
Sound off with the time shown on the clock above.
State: 8:33:25
